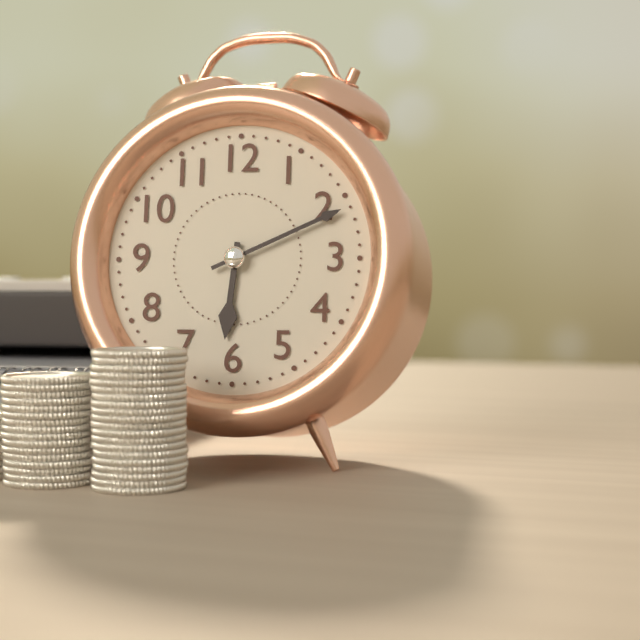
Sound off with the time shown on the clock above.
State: 6:11
